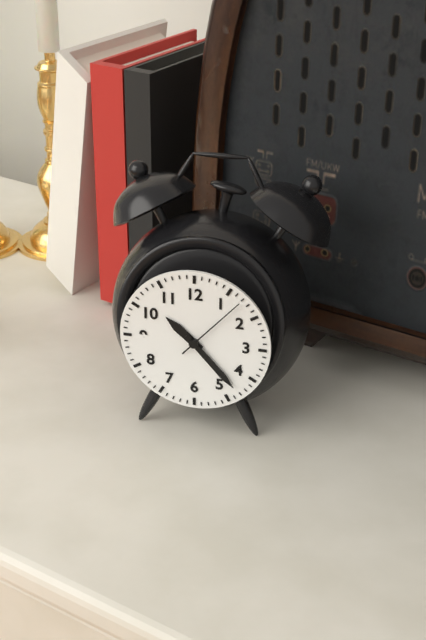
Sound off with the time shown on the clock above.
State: 10:23:07
